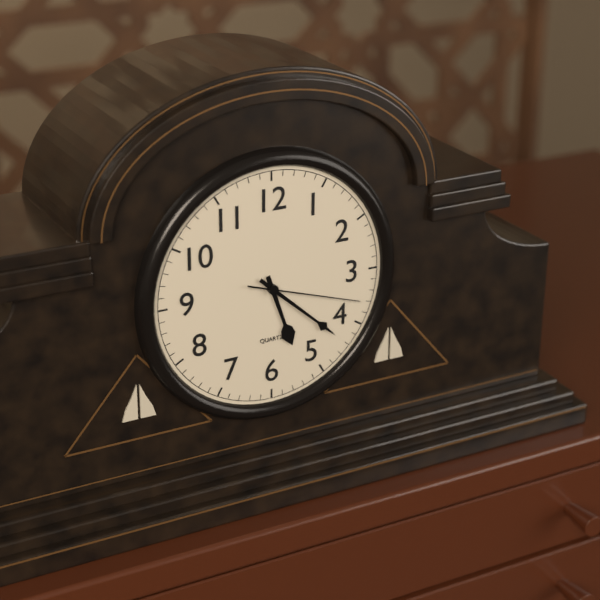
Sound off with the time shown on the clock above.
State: 5:22:18
